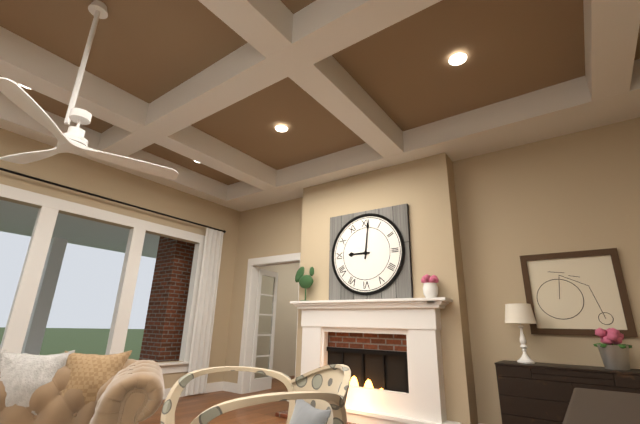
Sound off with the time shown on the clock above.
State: 9:01
